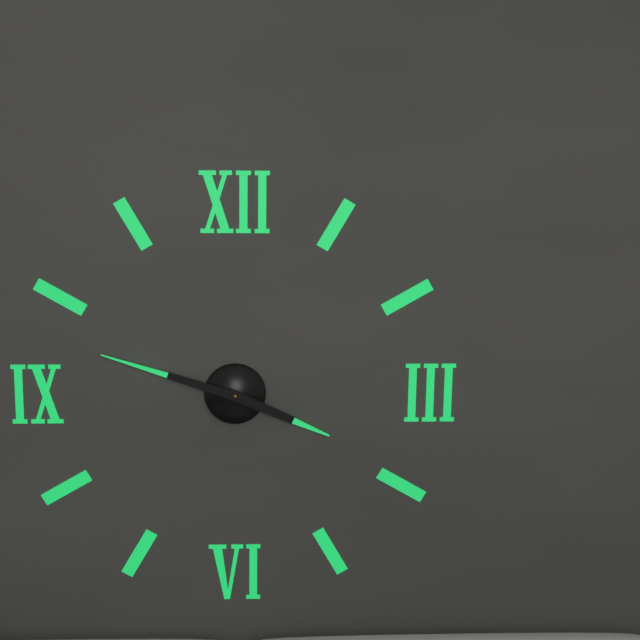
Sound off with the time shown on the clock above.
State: 3:48
